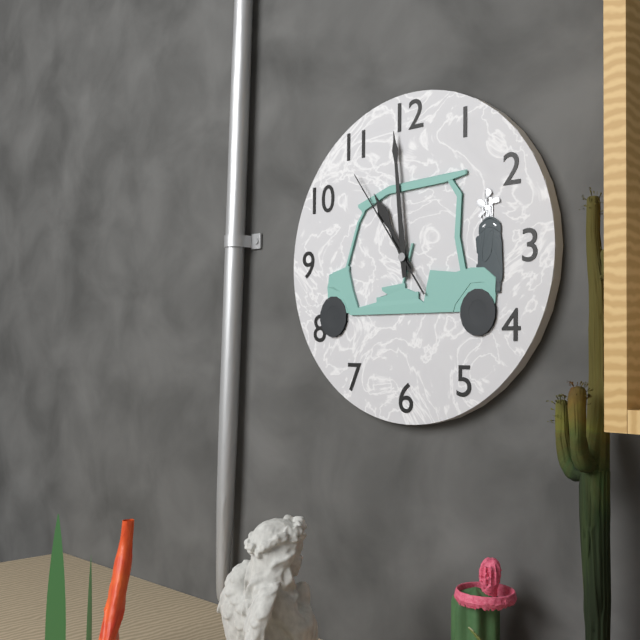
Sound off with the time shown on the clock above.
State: 10:59:54
